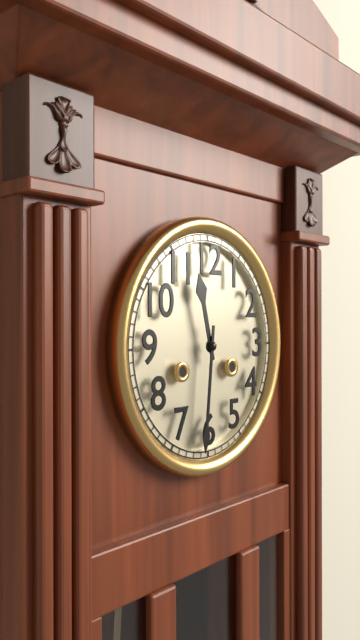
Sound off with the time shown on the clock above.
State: 11:31
